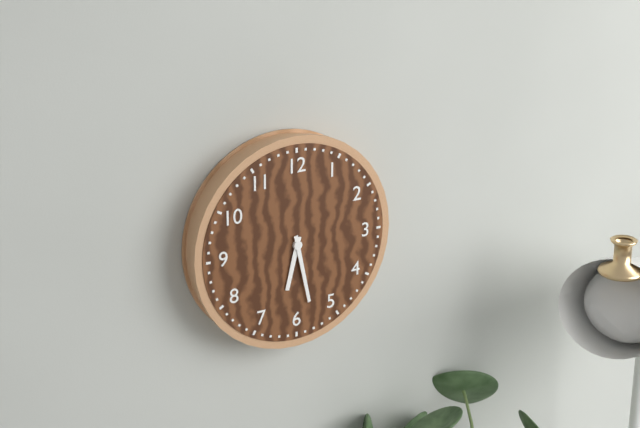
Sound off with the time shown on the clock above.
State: 6:28
